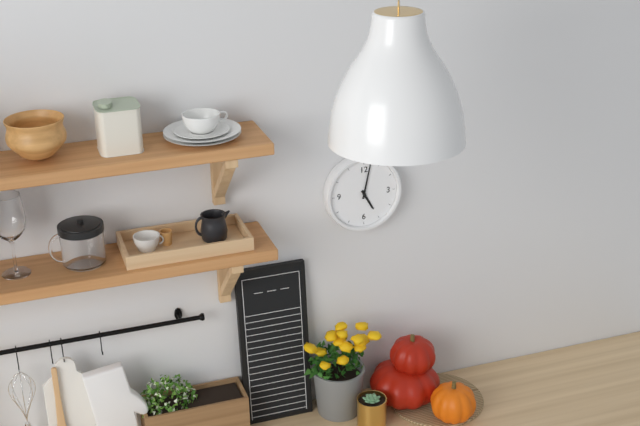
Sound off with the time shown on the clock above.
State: 5:02
